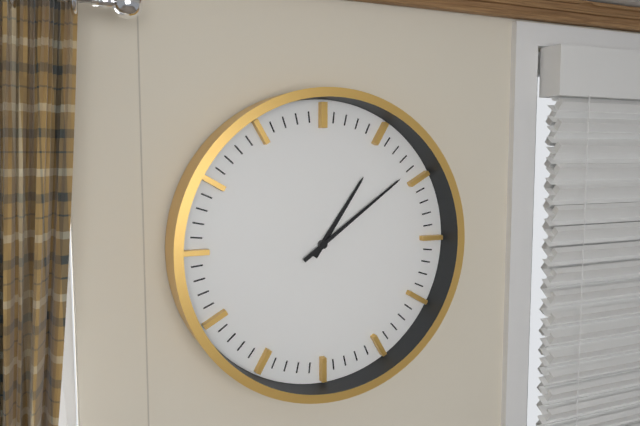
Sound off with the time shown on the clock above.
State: 1:09
